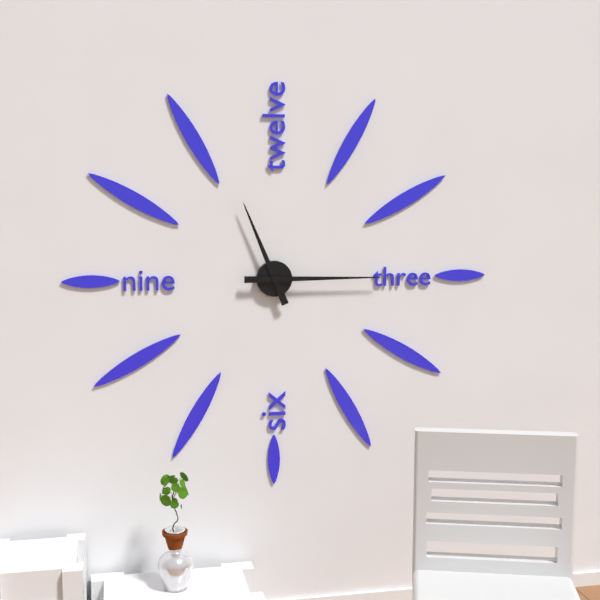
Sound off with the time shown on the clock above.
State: 11:15
